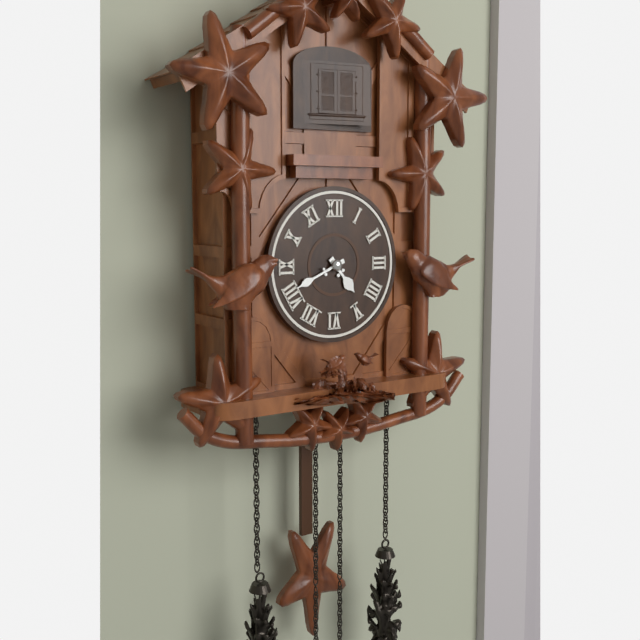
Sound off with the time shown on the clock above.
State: 4:41
